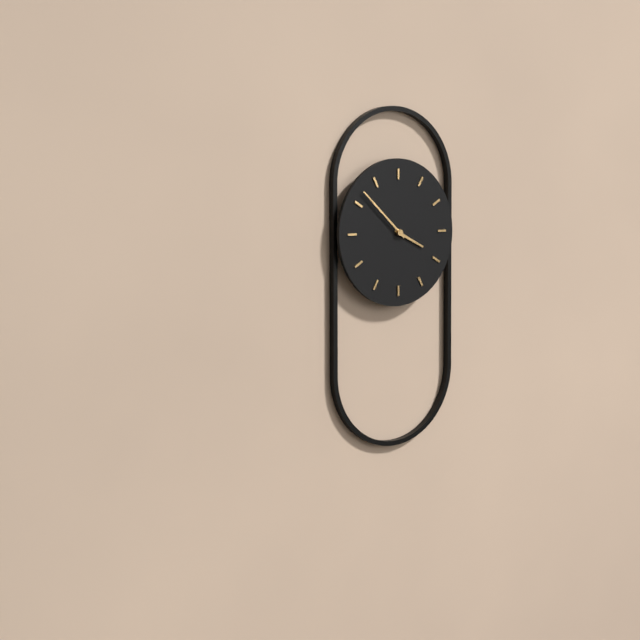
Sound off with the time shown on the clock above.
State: 3:52
